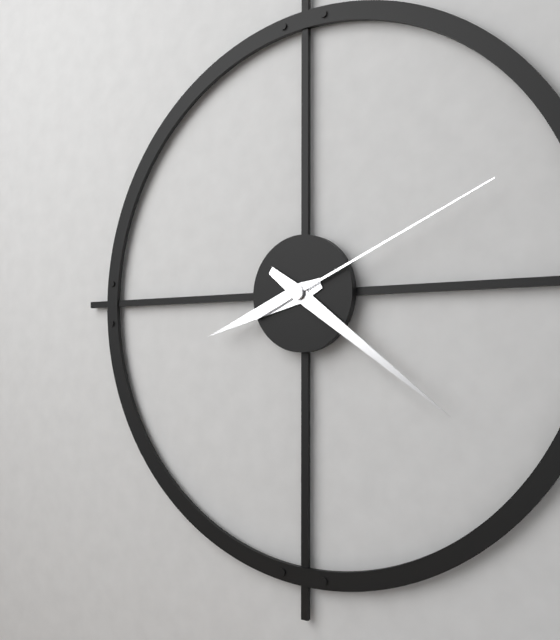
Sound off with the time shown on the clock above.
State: 8:21:11
